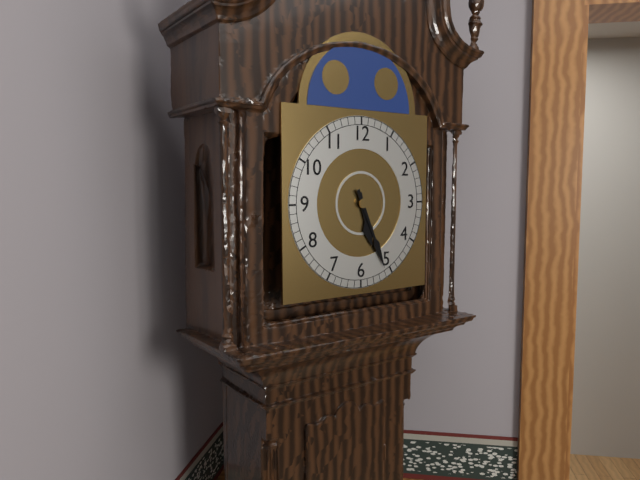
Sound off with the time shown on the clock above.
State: 5:26
